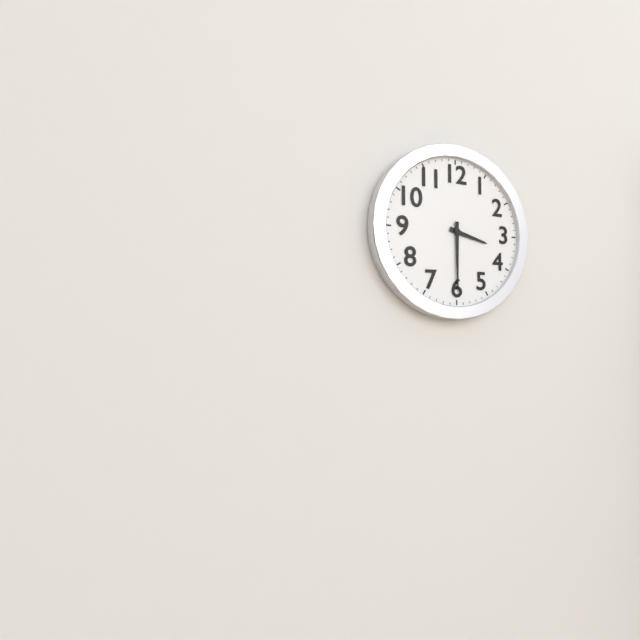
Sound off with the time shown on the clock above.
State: 3:30
